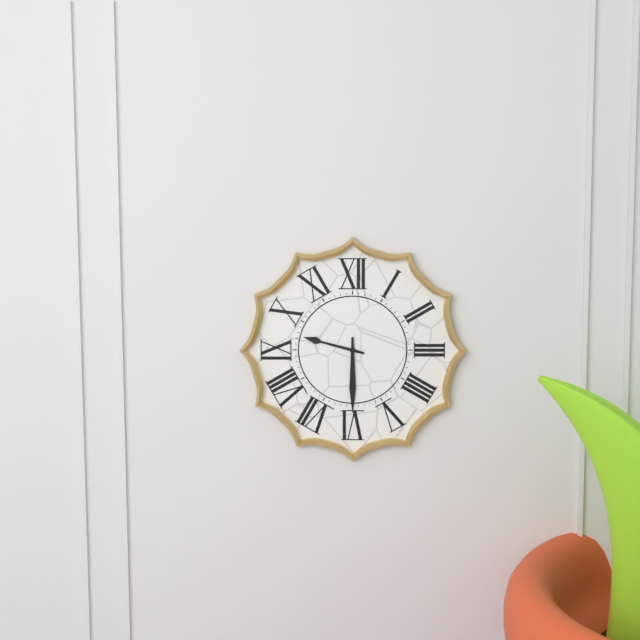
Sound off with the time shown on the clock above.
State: 9:30
